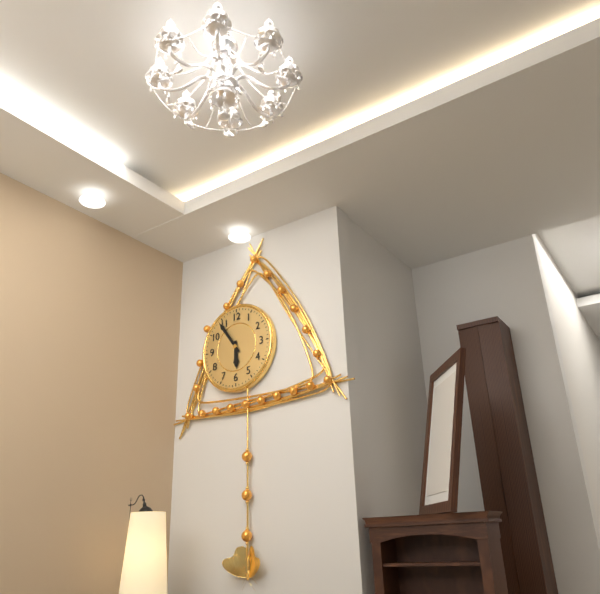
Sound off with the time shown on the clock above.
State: 5:54
